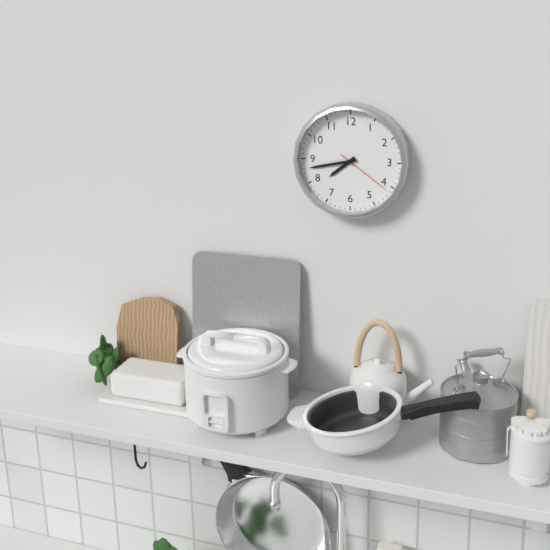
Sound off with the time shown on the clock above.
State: 7:43:21
